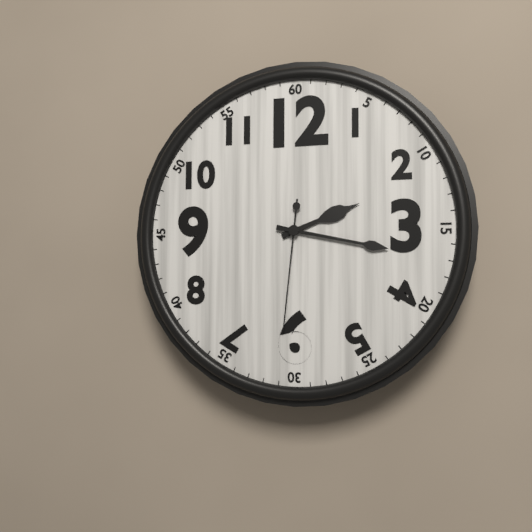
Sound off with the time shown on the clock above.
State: 2:17:31
